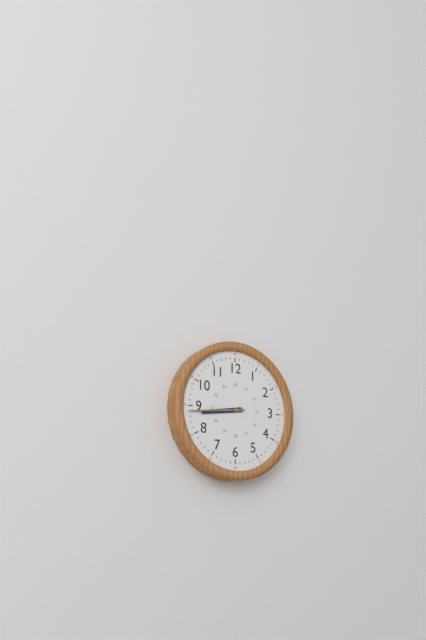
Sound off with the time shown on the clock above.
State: 8:44
